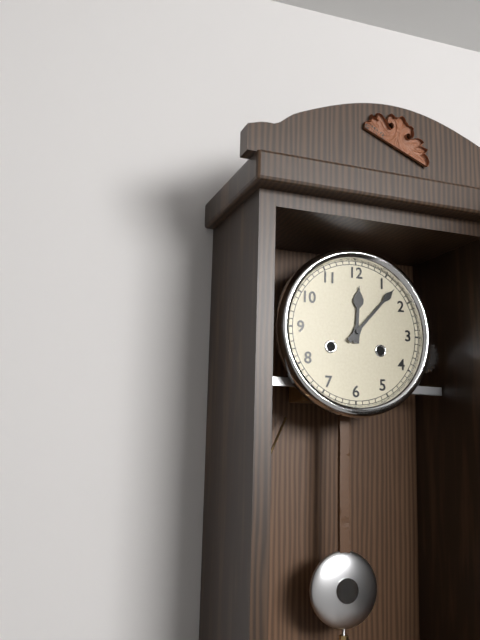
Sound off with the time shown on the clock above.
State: 12:07
